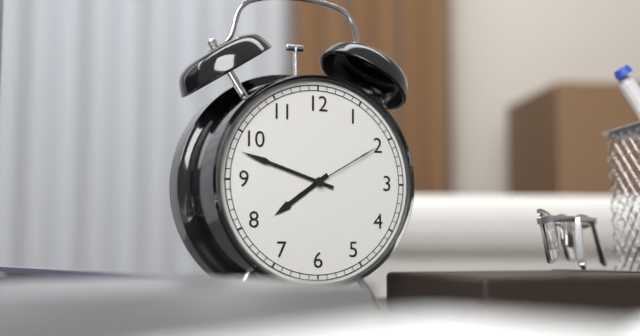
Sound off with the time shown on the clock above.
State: 7:48:10
